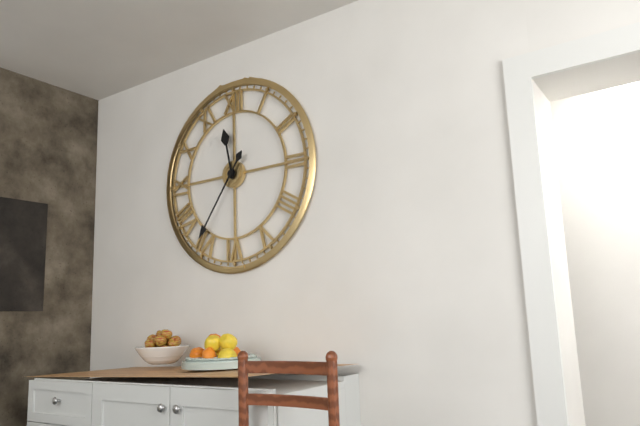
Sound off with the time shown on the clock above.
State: 11:36
